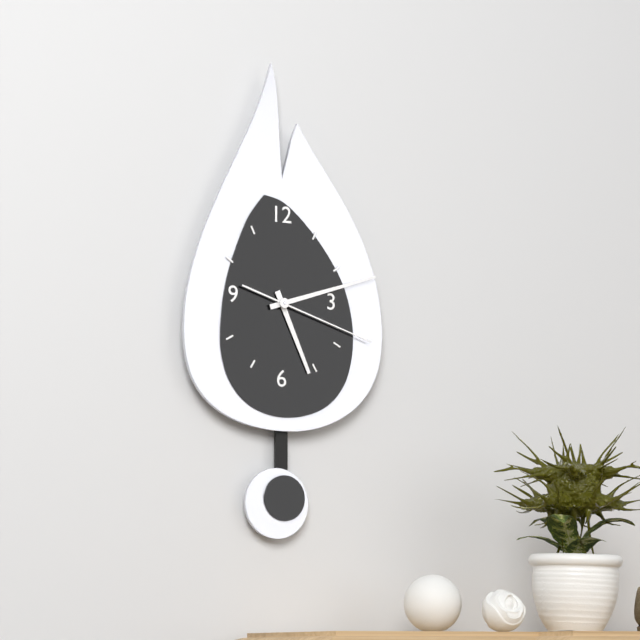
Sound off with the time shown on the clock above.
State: 5:12:18
